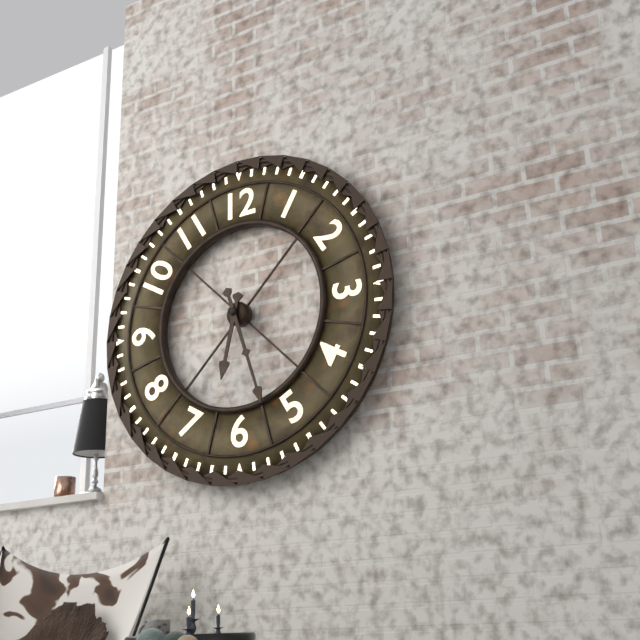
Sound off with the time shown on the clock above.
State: 6:27
